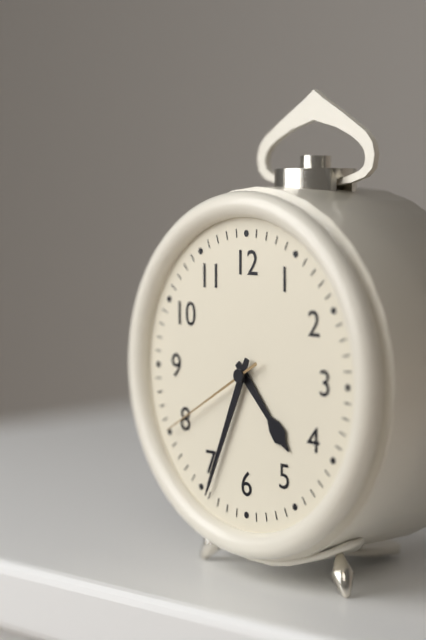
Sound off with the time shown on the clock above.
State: 4:34:40
